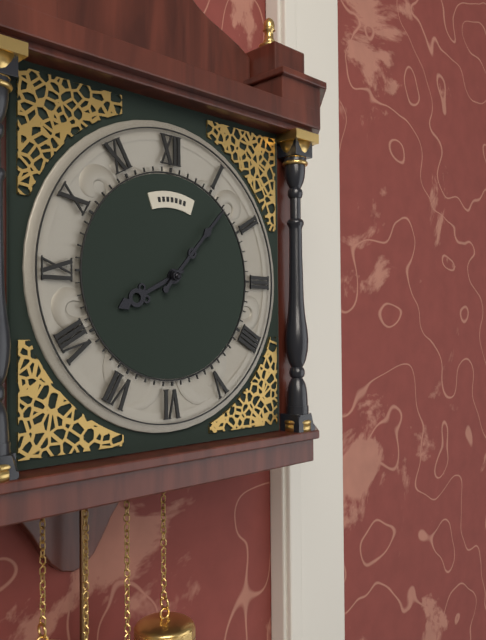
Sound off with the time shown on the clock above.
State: 8:07
